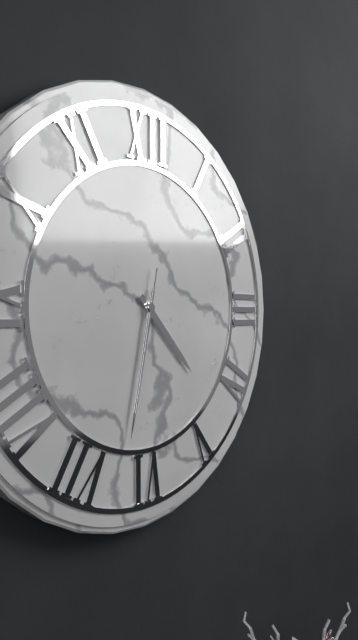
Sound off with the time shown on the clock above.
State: 4:32:32
